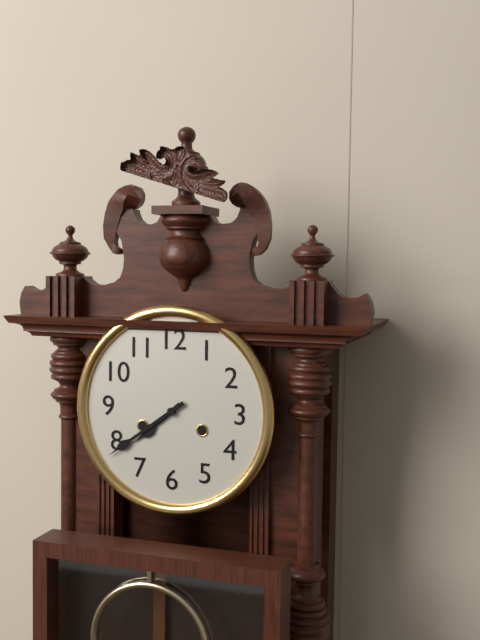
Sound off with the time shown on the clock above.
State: 7:39
